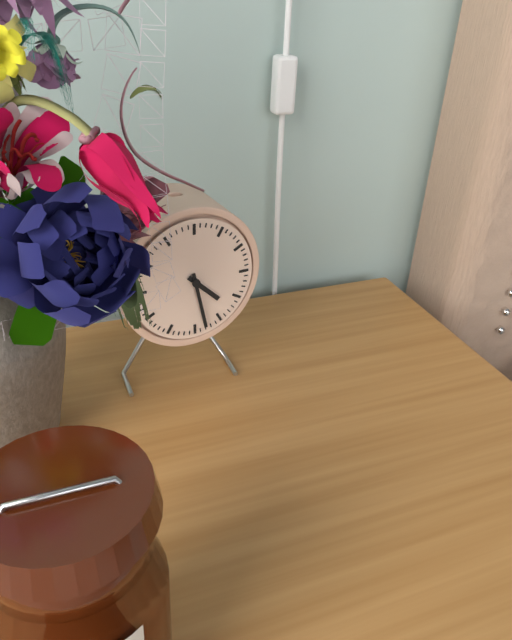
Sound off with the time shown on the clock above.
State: 4:28
